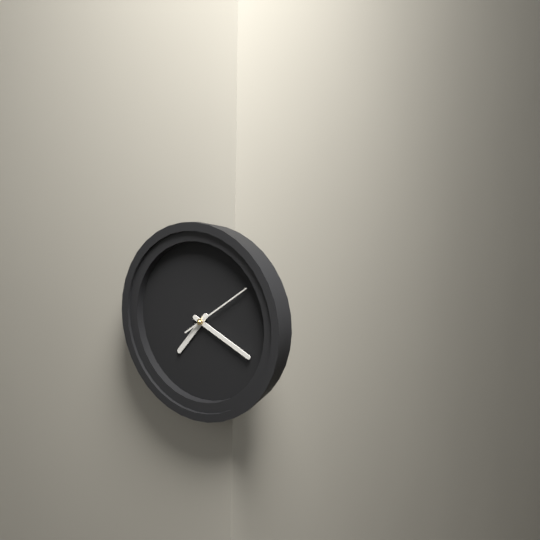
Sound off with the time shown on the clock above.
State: 7:19:09
